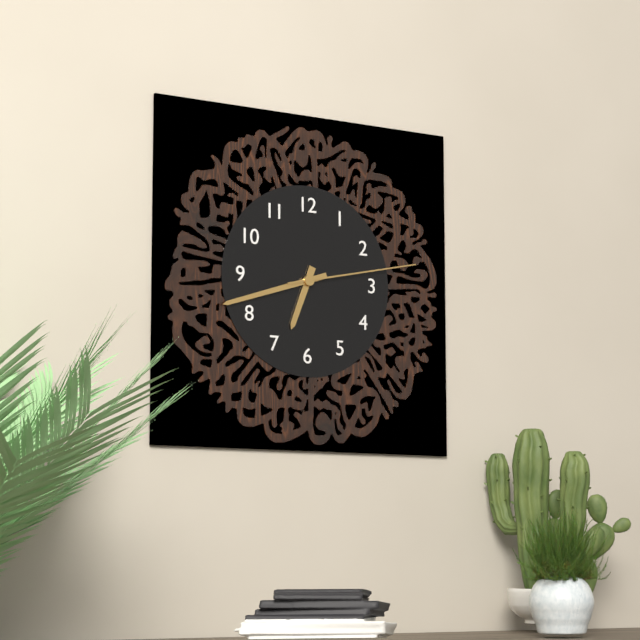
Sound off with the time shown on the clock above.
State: 6:42:13
